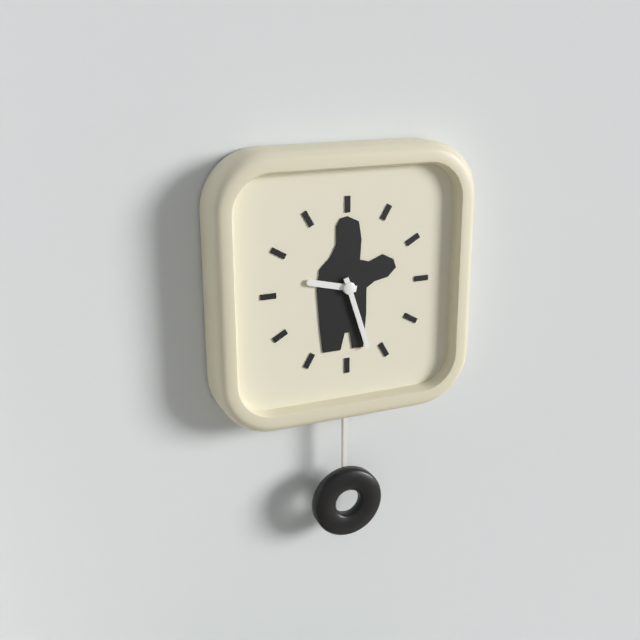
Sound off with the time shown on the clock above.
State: 9:27
